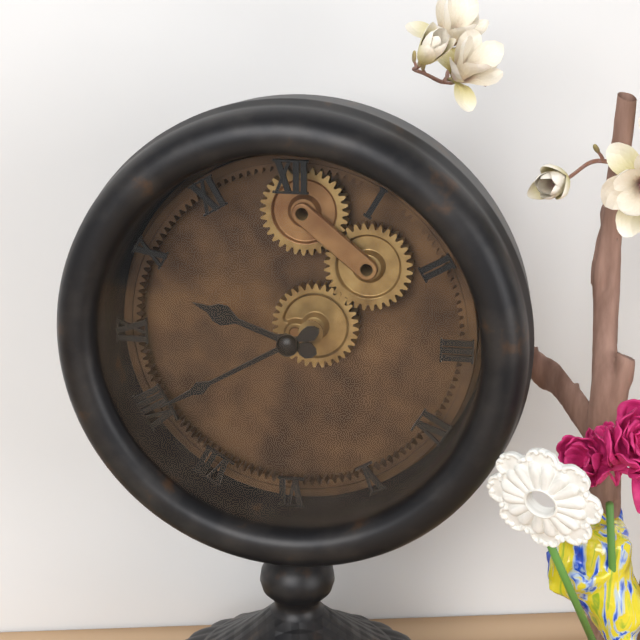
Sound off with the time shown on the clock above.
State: 9:40
